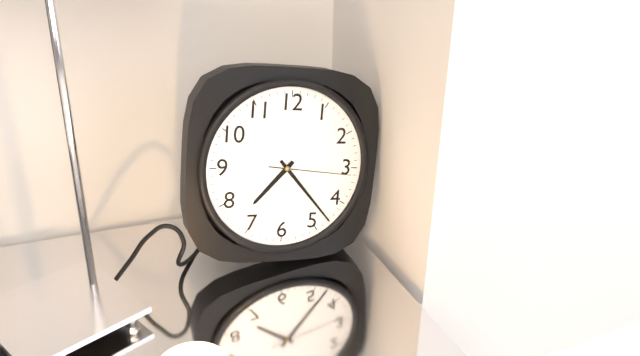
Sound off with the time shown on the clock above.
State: 7:23:16
